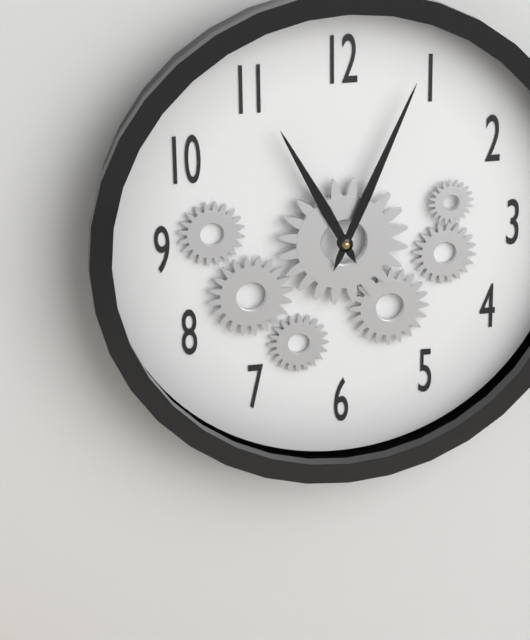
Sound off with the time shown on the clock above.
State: 11:04
